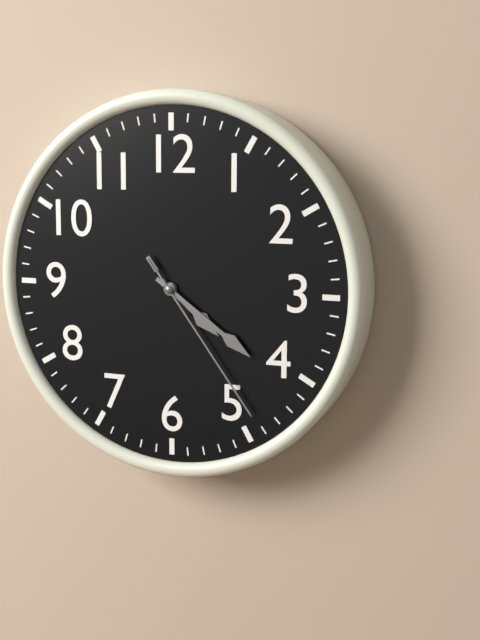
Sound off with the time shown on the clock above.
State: 4:21:24
